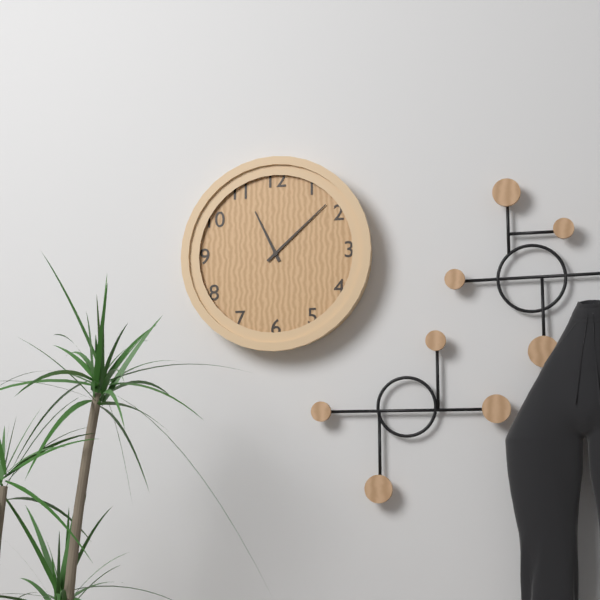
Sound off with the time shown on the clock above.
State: 11:08
